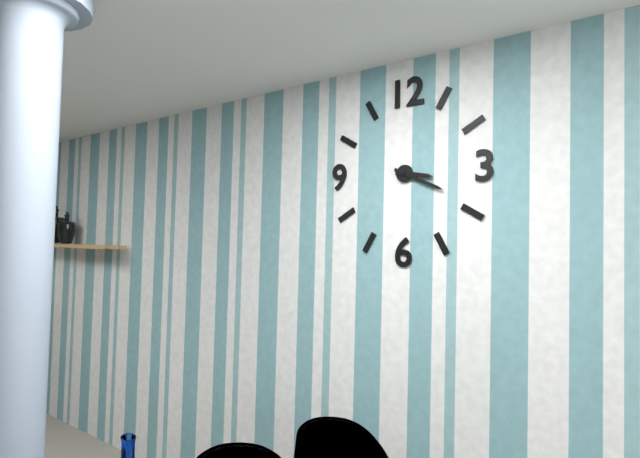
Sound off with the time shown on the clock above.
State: 3:19
